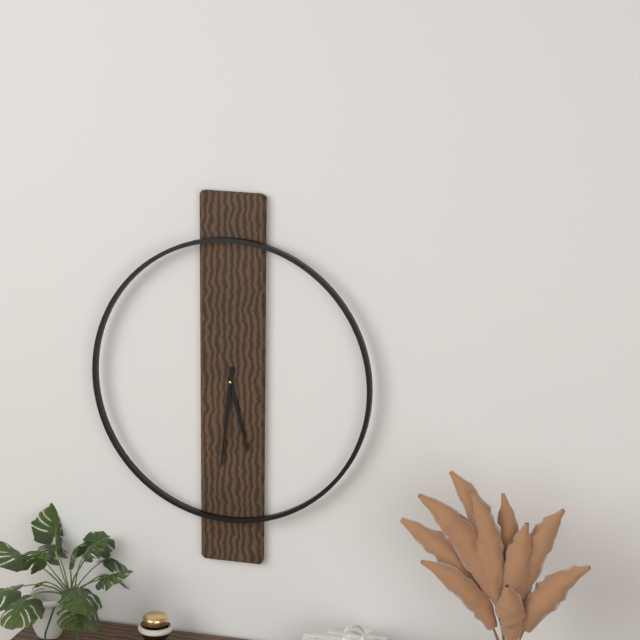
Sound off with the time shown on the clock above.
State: 5:31
